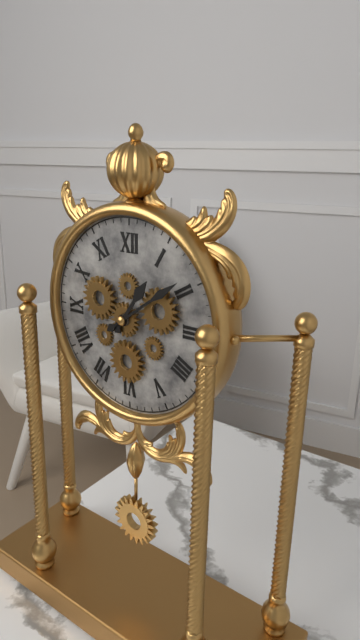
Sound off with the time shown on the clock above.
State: 1:09
